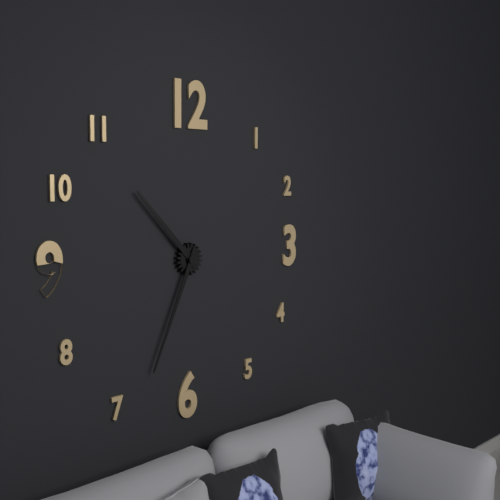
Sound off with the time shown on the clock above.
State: 10:34
